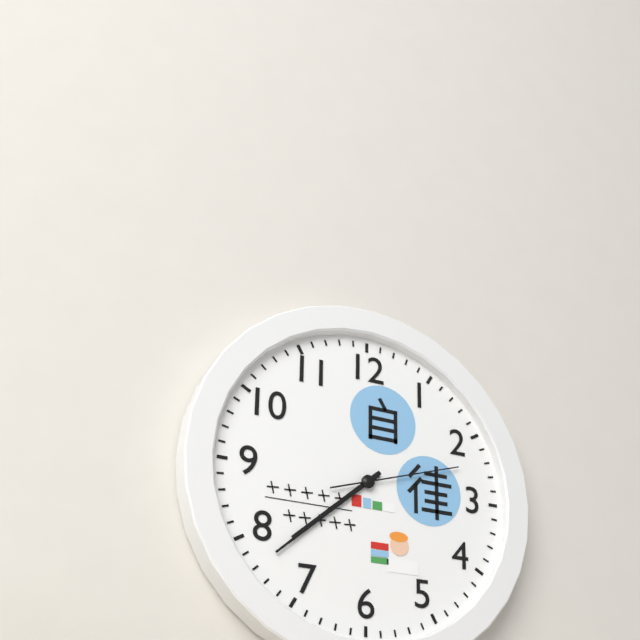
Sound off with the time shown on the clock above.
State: 7:38:12
